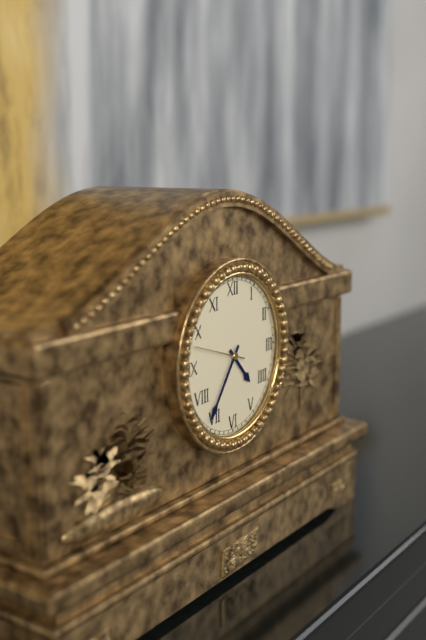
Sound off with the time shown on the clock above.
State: 4:36:48
